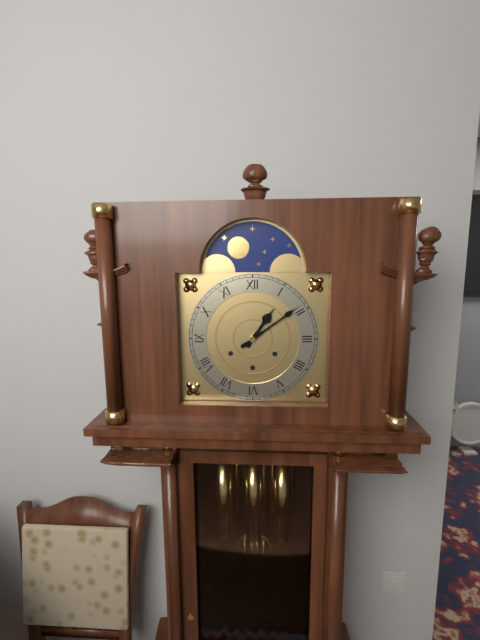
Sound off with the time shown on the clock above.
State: 1:09
